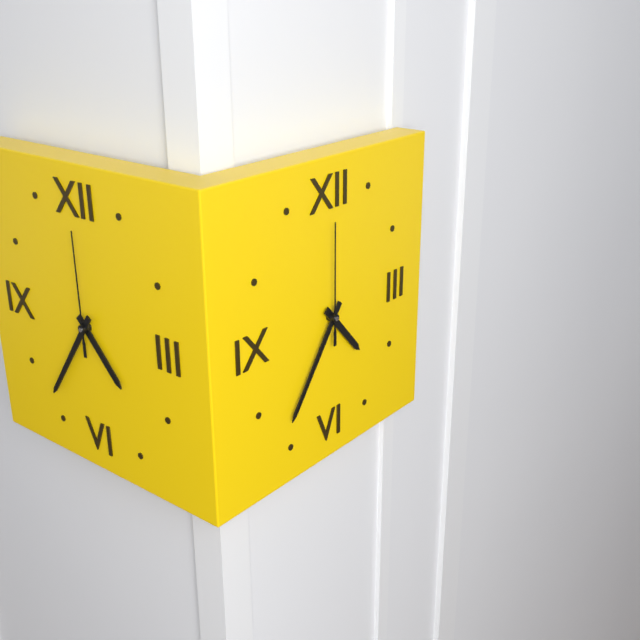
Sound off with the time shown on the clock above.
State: 4:36:00
